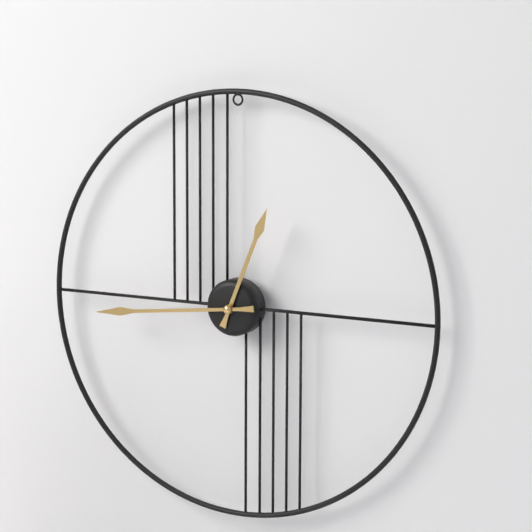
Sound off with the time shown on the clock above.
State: 12:44
